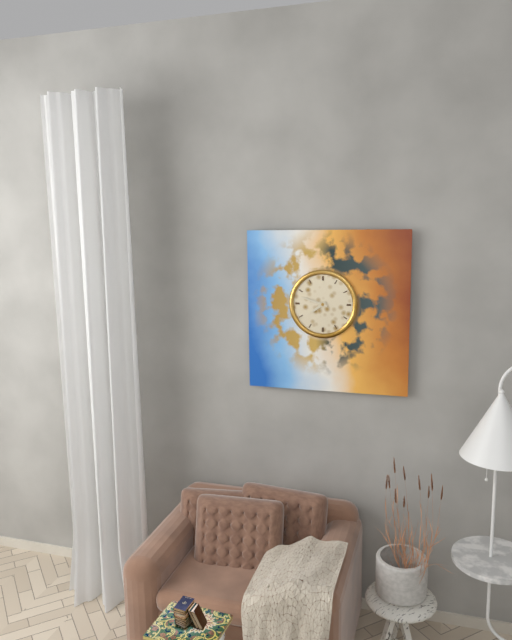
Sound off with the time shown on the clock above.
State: 7:48
